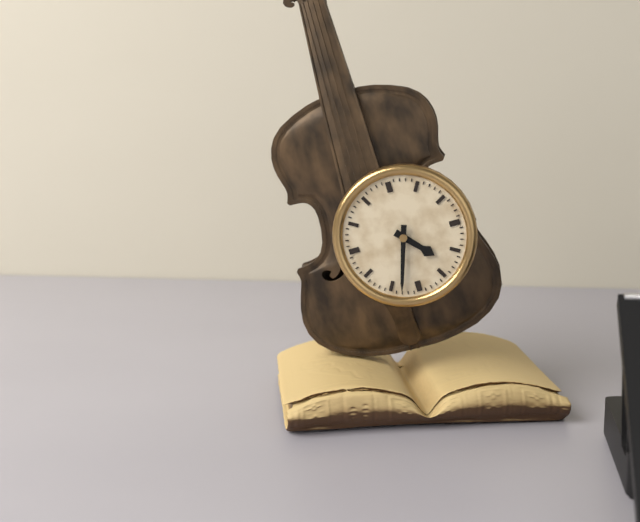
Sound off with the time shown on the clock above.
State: 4:33
